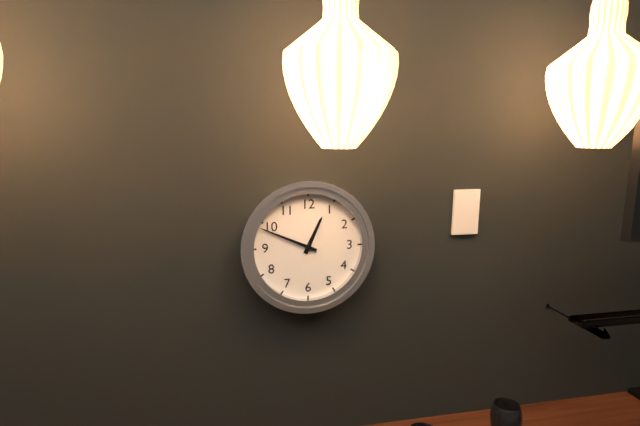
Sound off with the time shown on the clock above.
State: 12:49
